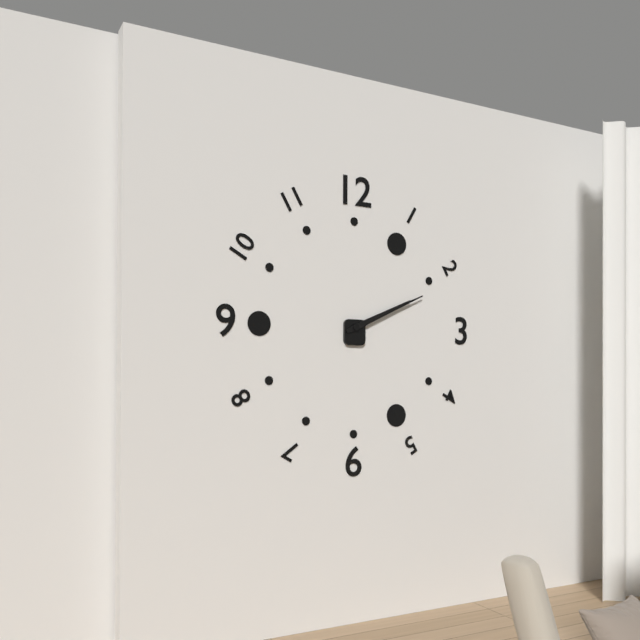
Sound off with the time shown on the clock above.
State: 2:11
